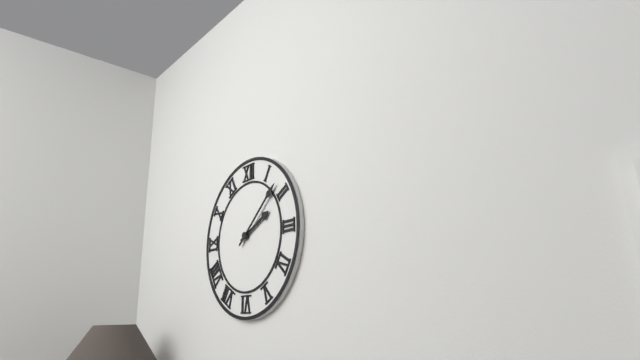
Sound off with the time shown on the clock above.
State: 2:08
